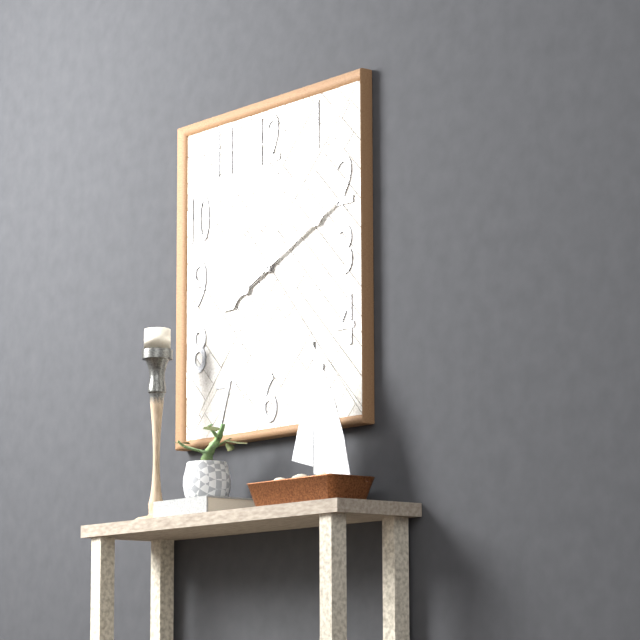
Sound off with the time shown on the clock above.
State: 8:11
